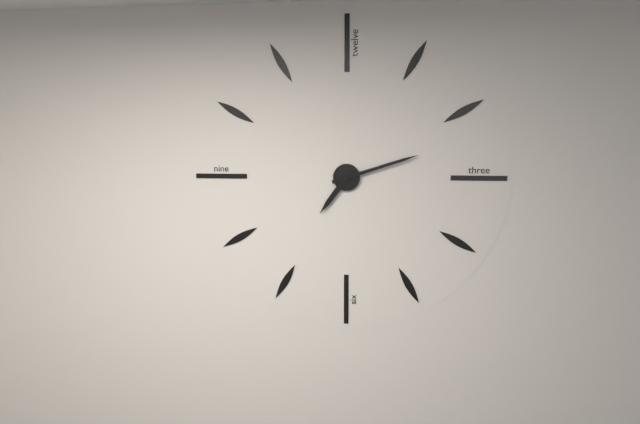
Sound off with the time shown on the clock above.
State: 7:12
